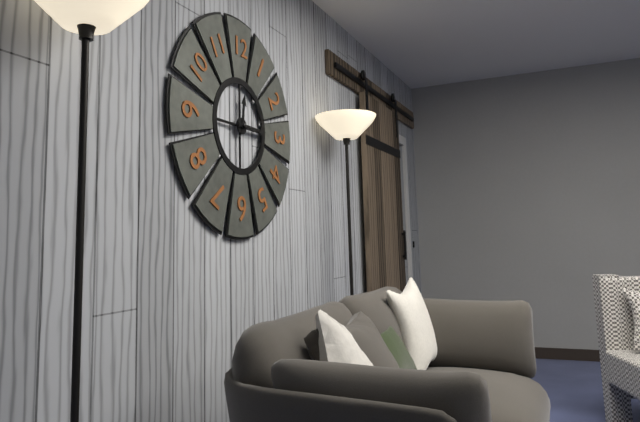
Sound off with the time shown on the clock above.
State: 12:15
